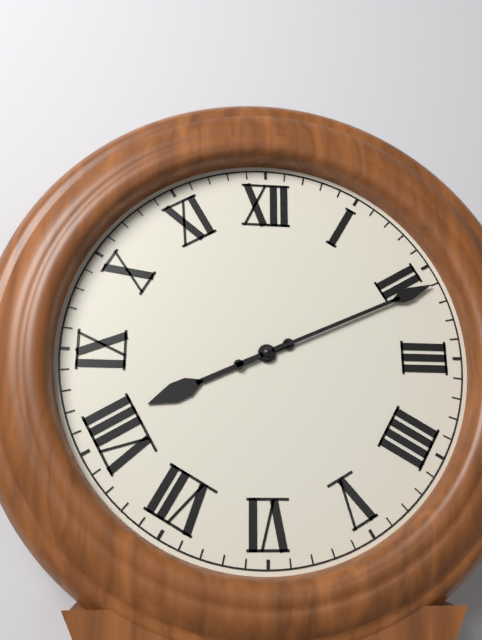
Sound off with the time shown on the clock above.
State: 8:11
